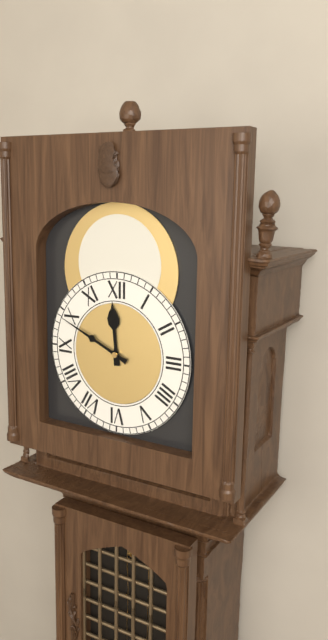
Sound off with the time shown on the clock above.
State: 11:49
